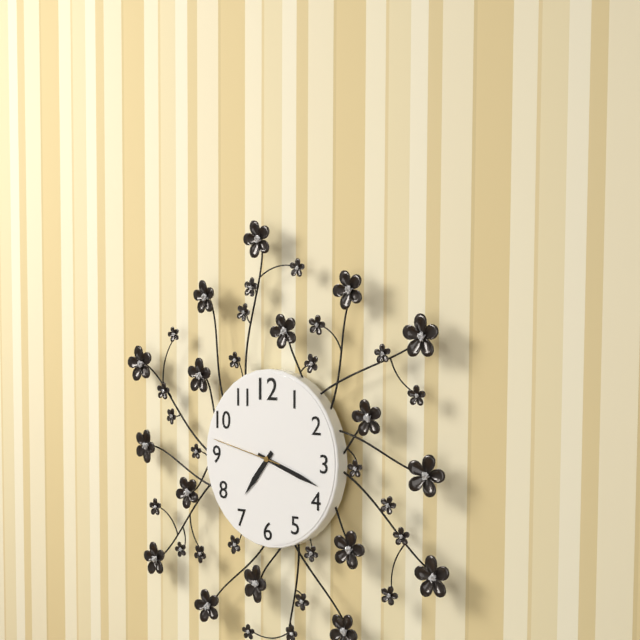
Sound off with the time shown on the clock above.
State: 7:18:47
